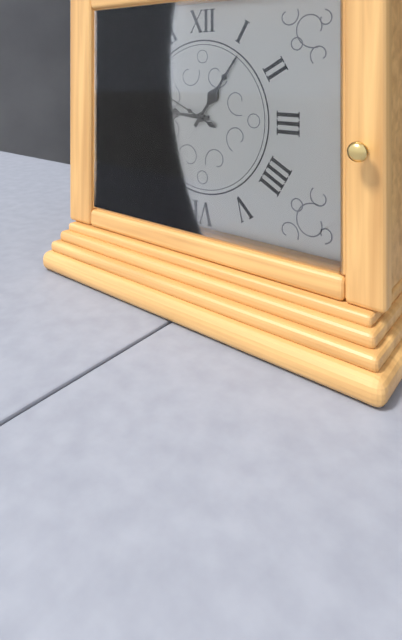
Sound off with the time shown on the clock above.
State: 9:06:49
